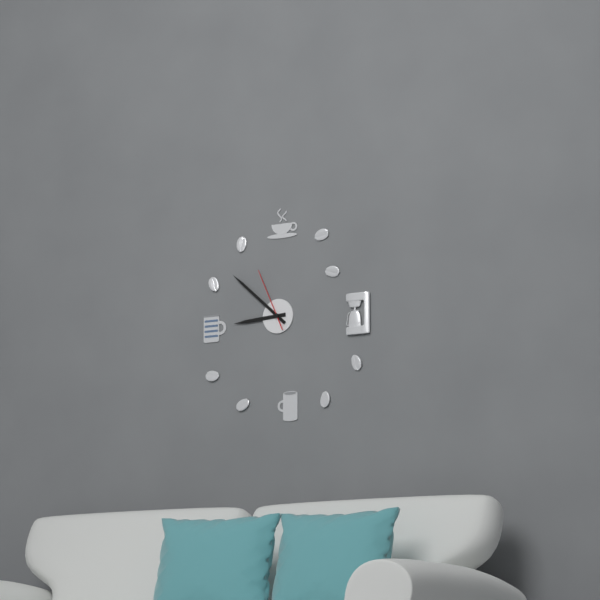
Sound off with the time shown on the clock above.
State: 8:52:56
